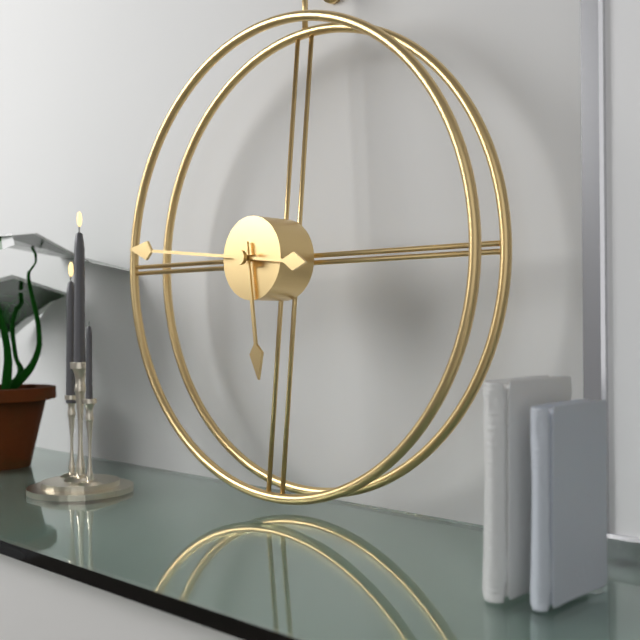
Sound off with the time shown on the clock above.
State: 5:46
